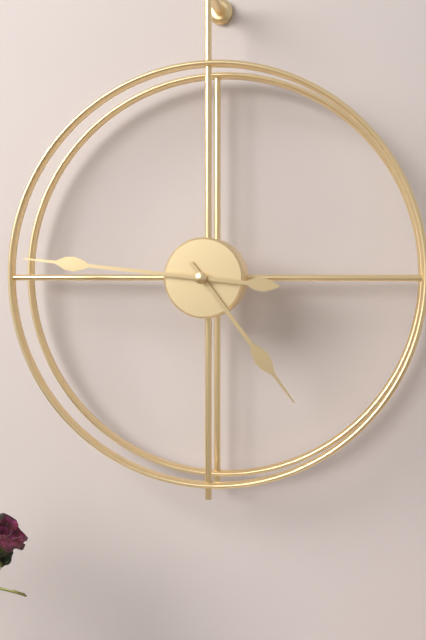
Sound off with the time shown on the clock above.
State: 4:46
